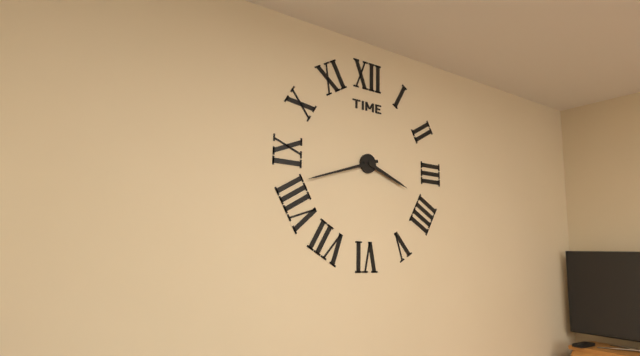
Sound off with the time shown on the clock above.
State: 3:42
